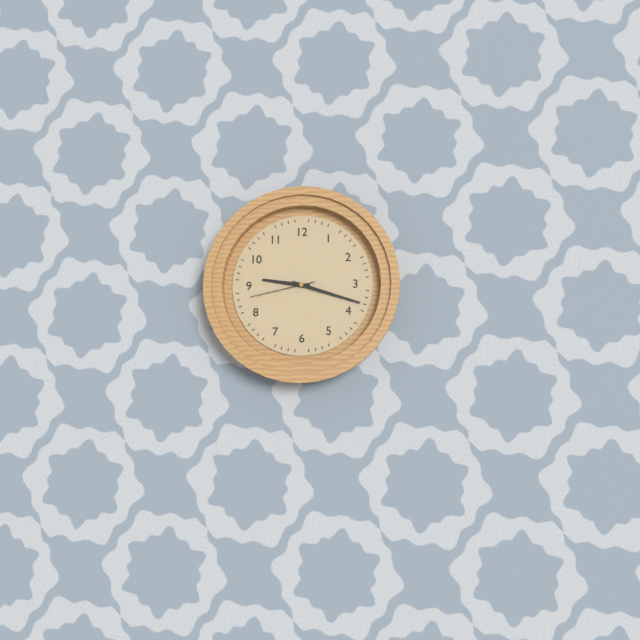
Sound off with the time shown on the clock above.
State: 9:18:43
